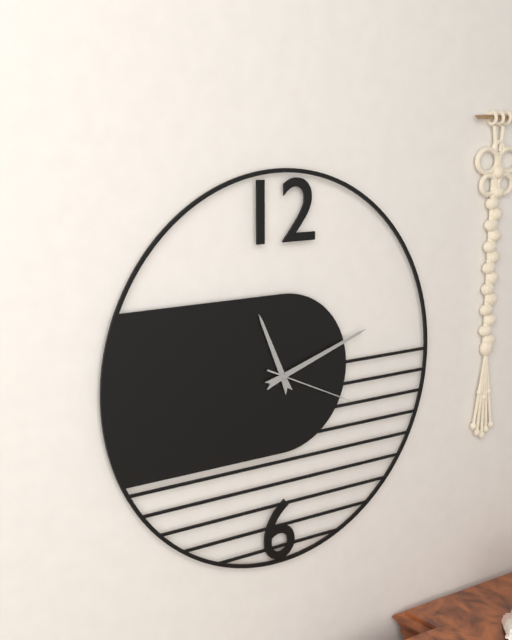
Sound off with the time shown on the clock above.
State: 11:12:19
